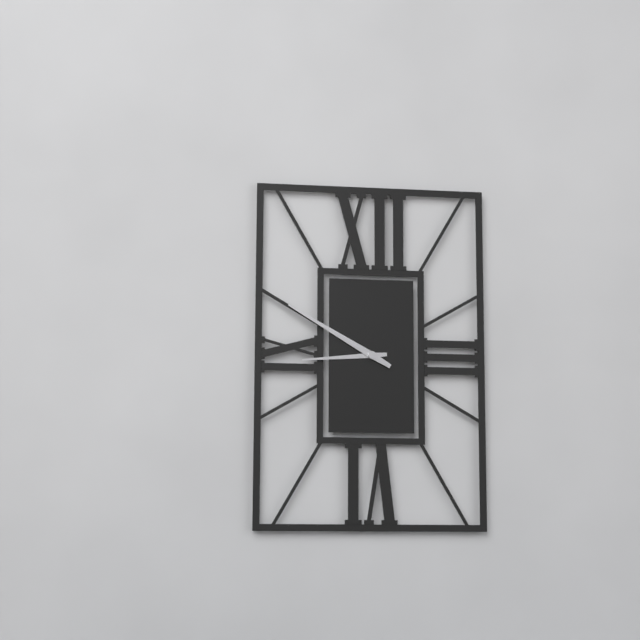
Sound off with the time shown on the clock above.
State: 8:50
